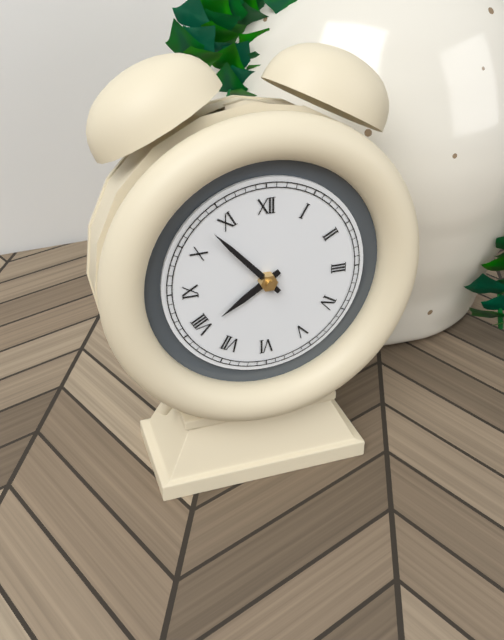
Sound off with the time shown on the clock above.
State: 7:53
